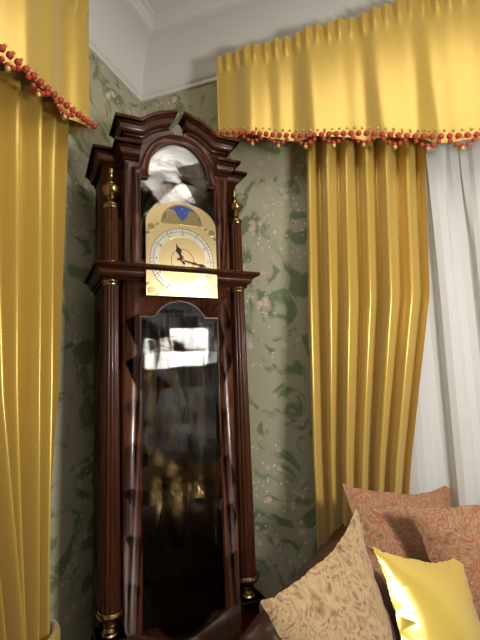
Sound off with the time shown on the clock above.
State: 11:17
